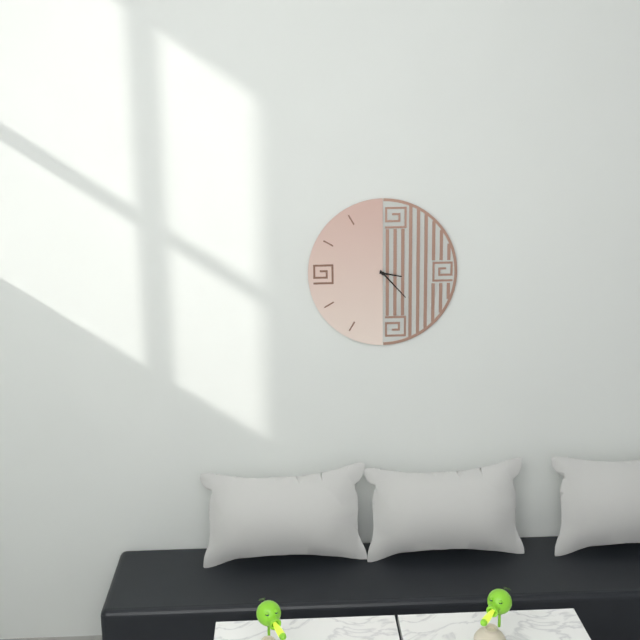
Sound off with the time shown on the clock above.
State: 3:23
